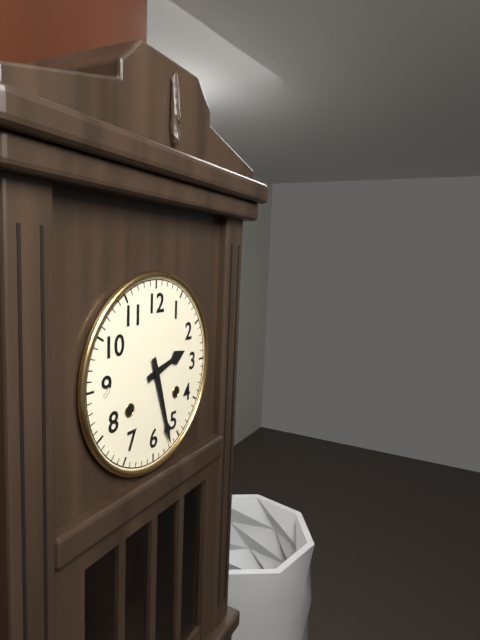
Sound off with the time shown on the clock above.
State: 2:27
